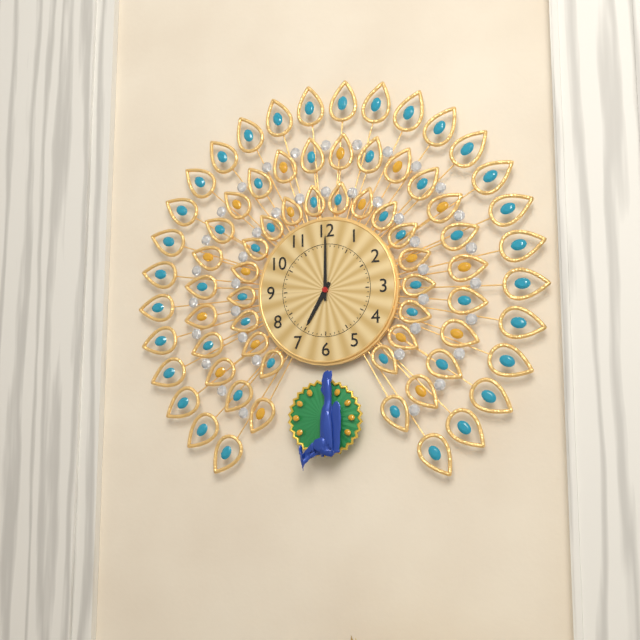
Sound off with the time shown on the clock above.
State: 7:00
